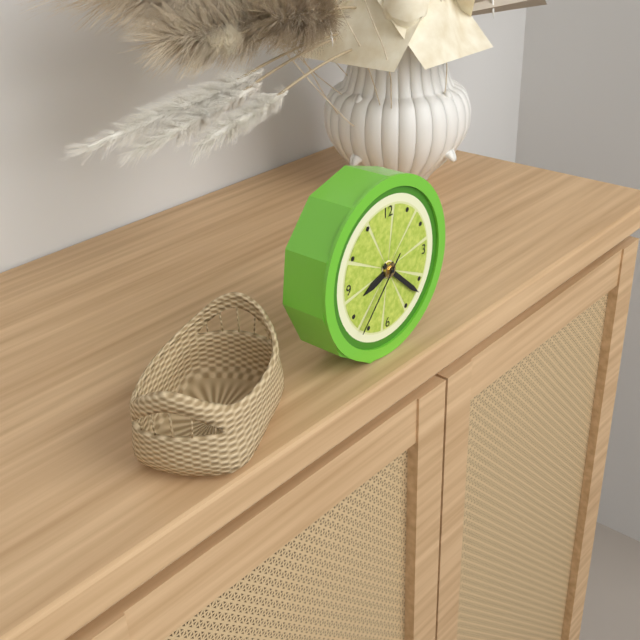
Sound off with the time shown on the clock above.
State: 8:22:37
